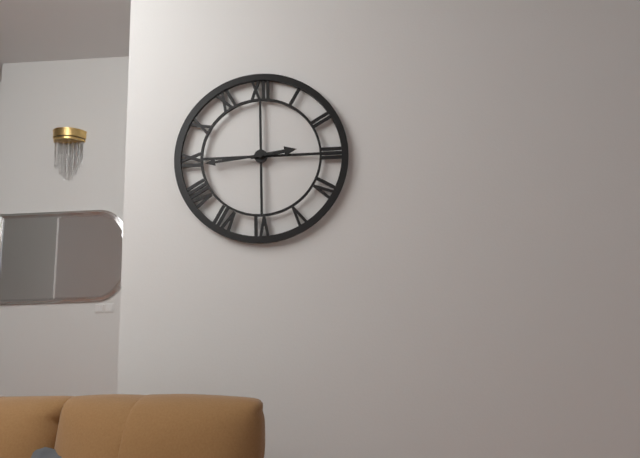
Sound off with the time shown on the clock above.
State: 2:44
